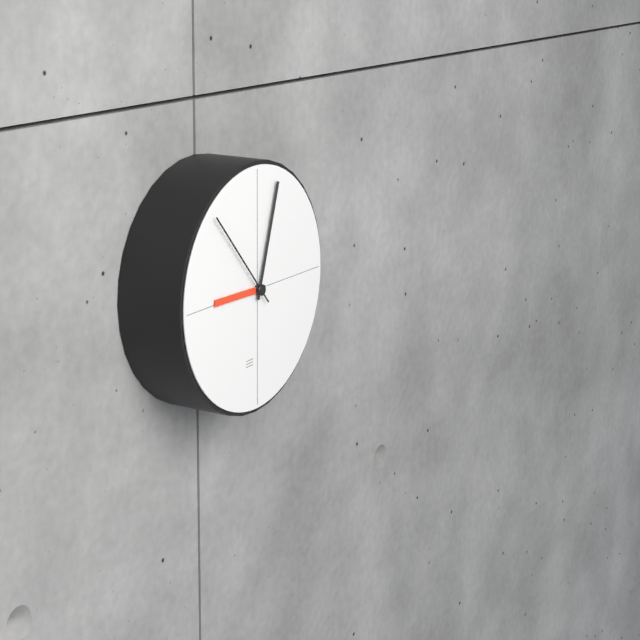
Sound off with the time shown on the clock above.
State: 9:03:53
